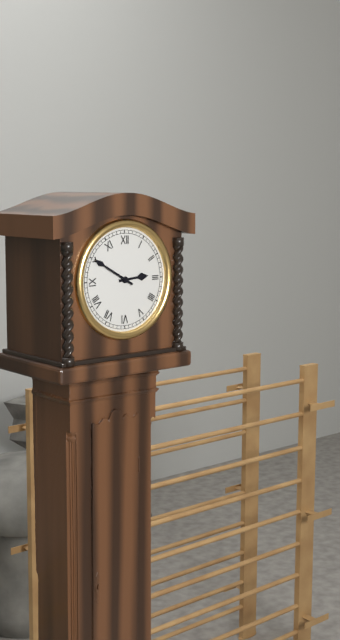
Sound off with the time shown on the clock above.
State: 2:50
